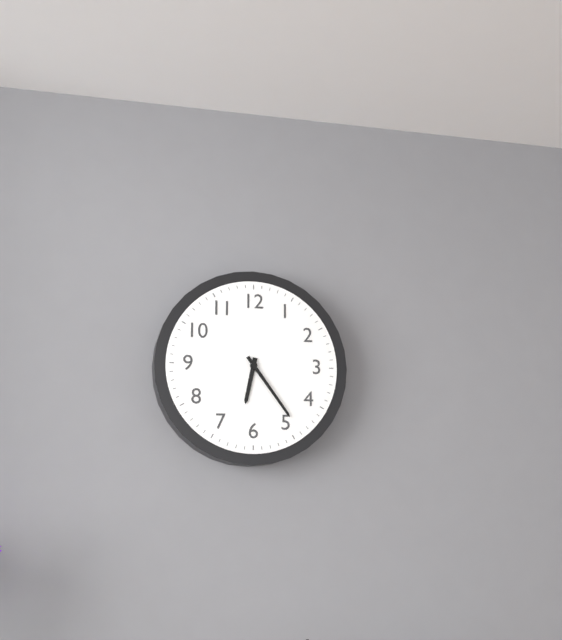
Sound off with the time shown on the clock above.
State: 6:24
